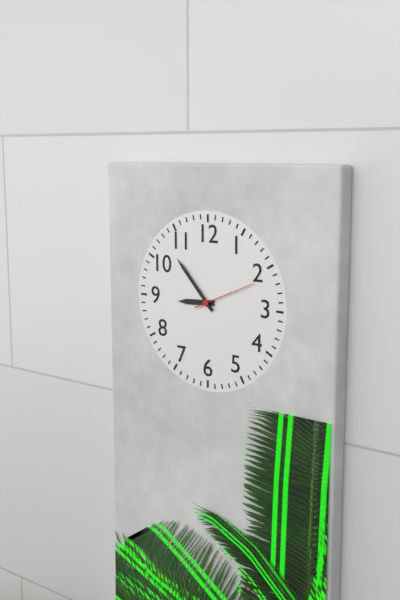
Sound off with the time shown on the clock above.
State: 8:53:11
